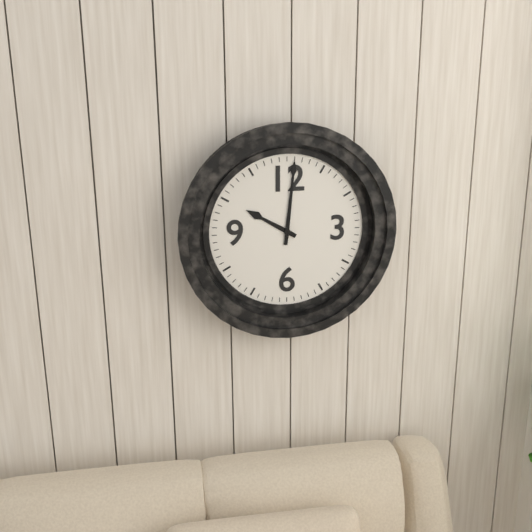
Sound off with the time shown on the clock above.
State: 10:01
